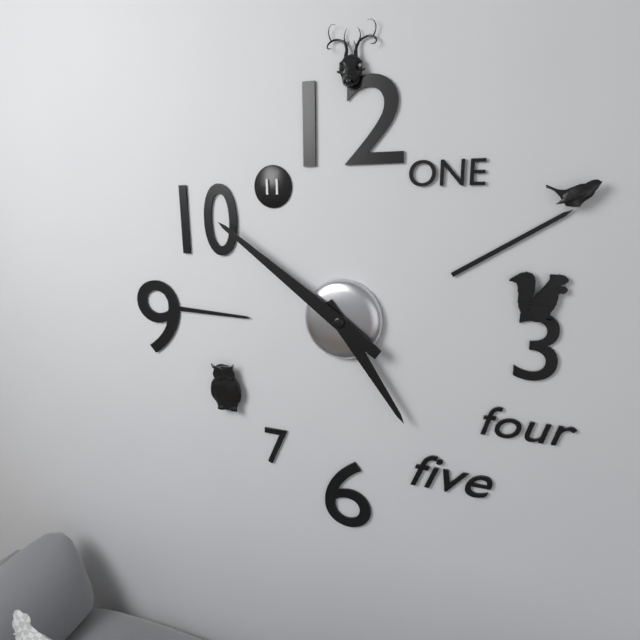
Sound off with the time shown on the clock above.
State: 4:51
